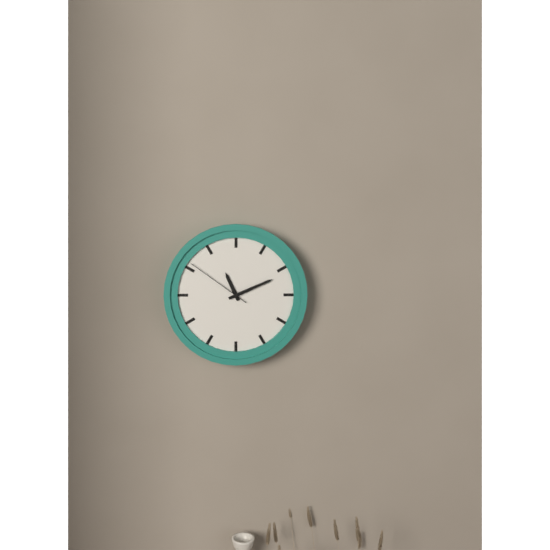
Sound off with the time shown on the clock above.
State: 11:11:51
